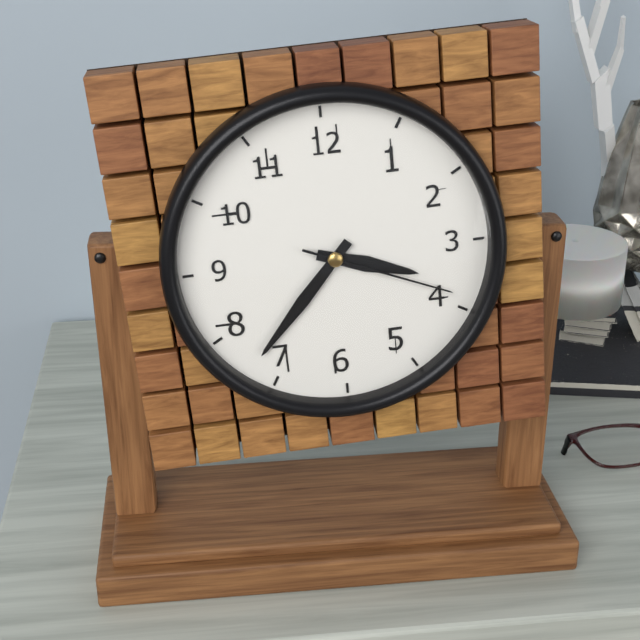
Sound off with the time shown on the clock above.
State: 3:37:19
